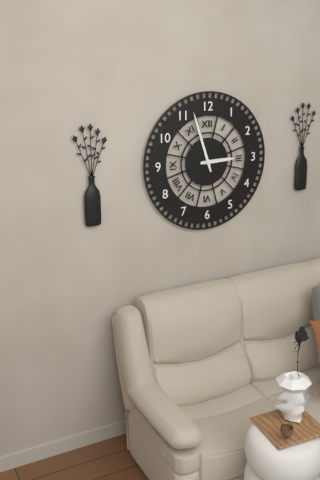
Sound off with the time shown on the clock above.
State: 2:57
